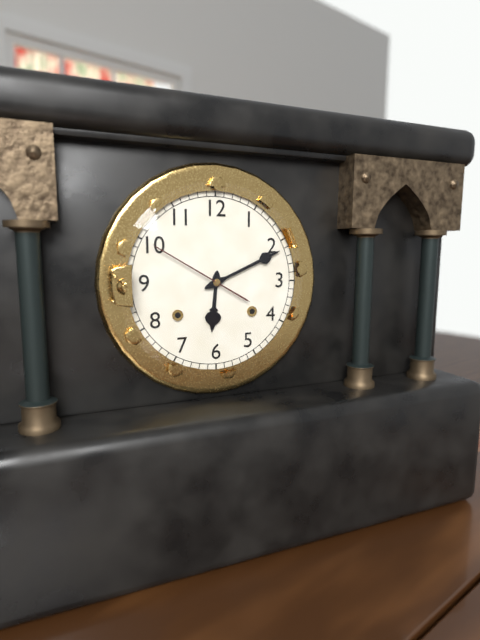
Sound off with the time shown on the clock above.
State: 6:11:50
